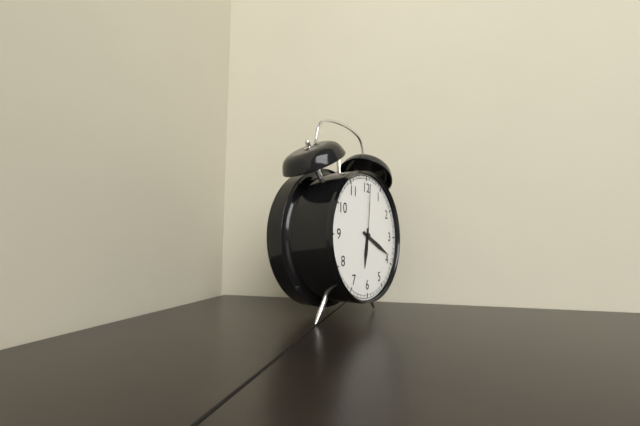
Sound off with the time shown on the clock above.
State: 6:19:01
